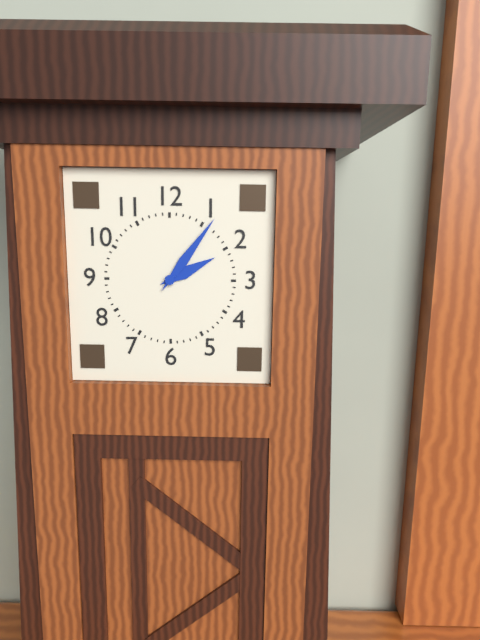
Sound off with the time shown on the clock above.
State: 2:06
